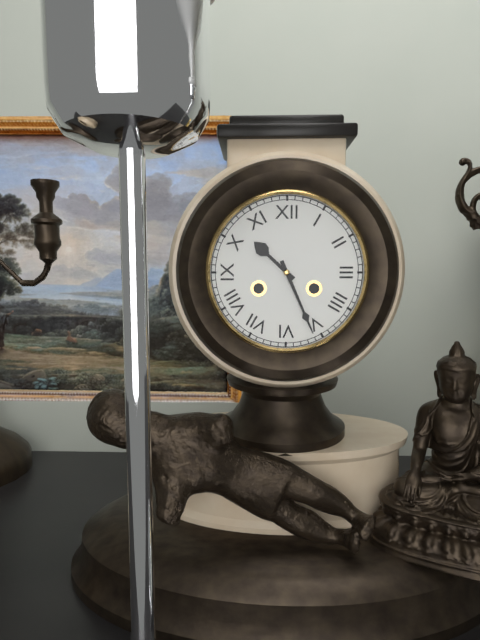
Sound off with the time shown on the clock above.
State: 10:26
